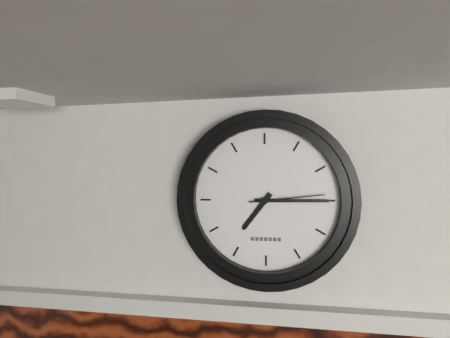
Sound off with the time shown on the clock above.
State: 7:15:14
